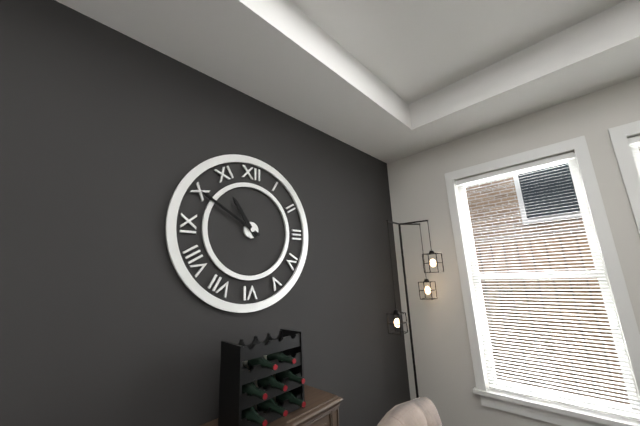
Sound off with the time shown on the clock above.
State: 10:50
